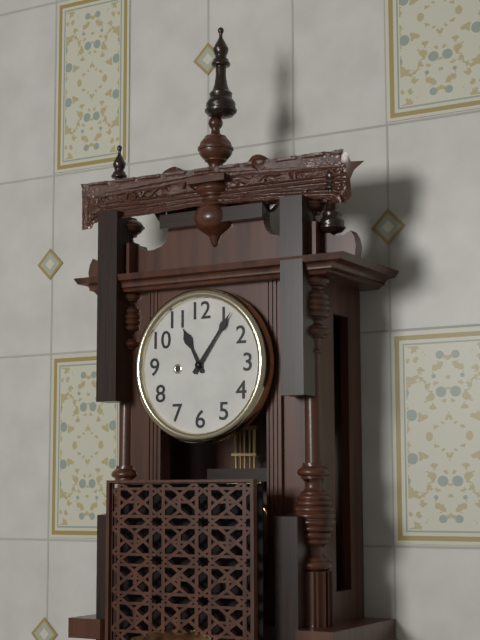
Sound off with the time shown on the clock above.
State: 11:06
